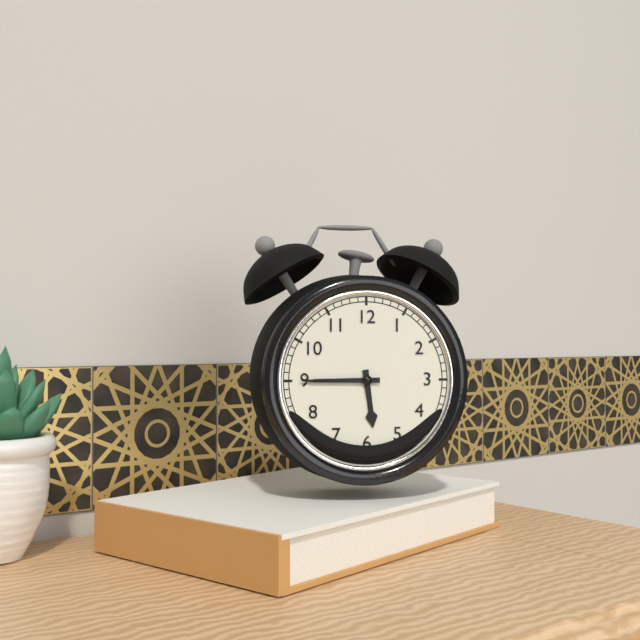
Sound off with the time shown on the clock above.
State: 5:45
